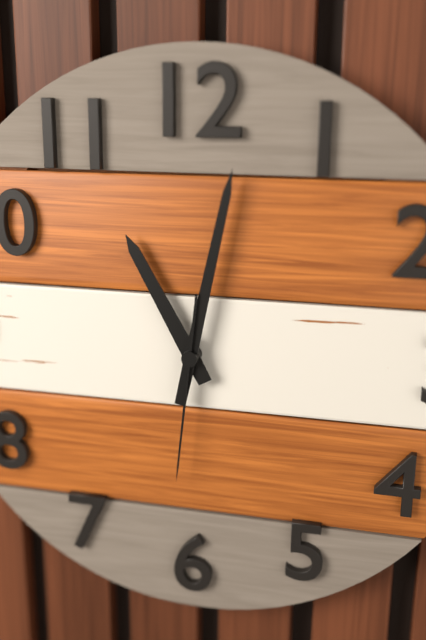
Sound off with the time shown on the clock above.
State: 11:02:31
